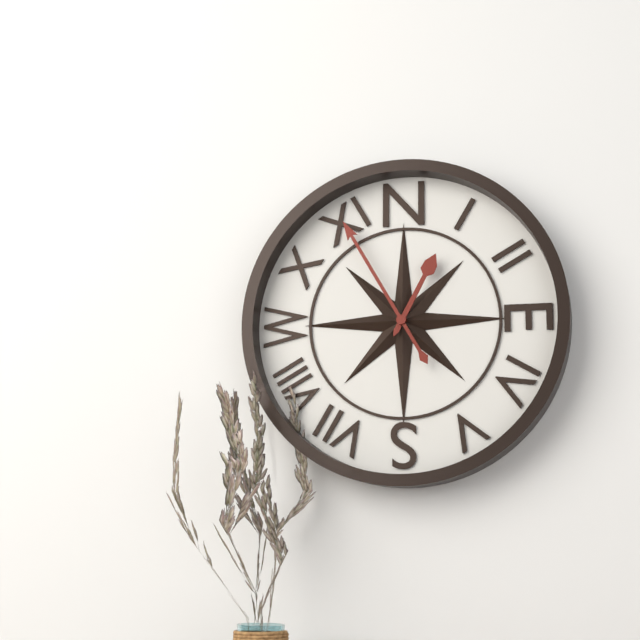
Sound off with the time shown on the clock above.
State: 12:55
